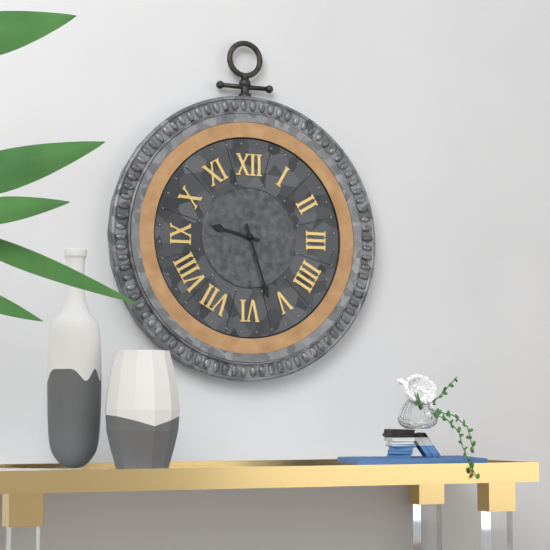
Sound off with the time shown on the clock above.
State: 9:27
